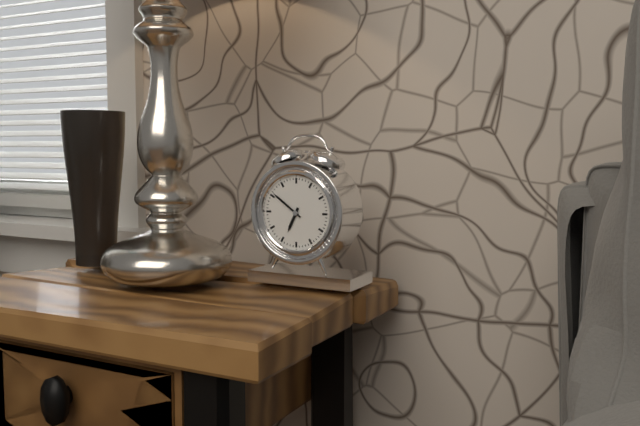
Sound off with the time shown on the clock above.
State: 6:51
